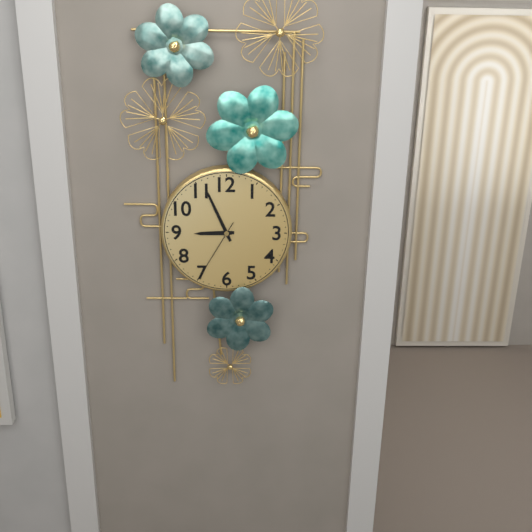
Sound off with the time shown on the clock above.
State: 8:56:35
